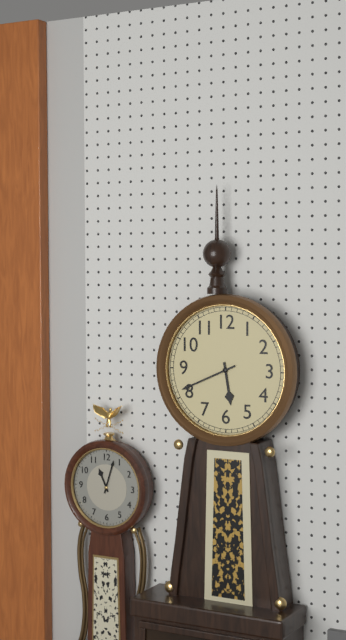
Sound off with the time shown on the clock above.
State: 5:41
